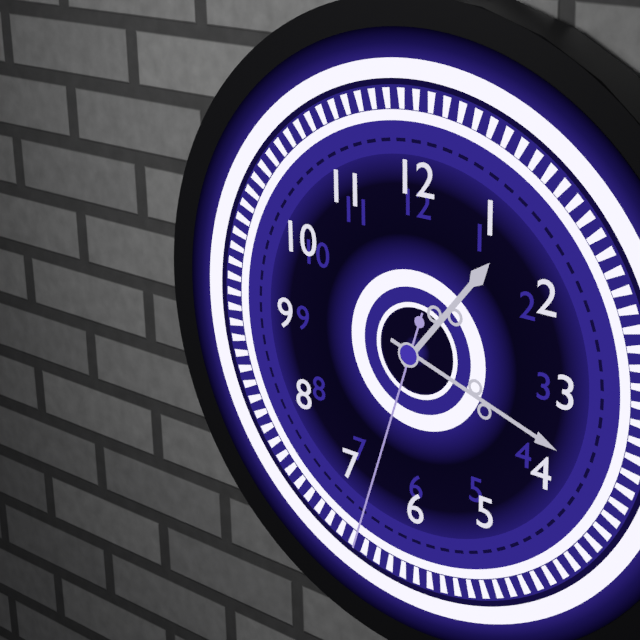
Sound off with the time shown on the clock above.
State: 1:18:33
